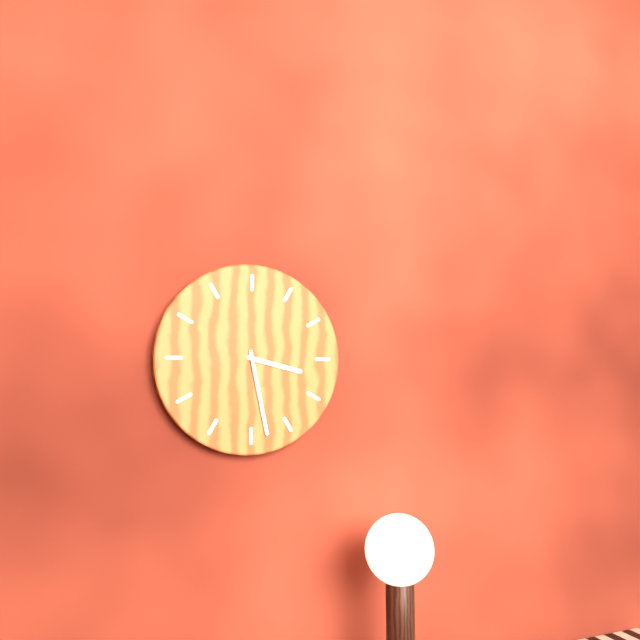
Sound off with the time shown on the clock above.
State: 3:28
